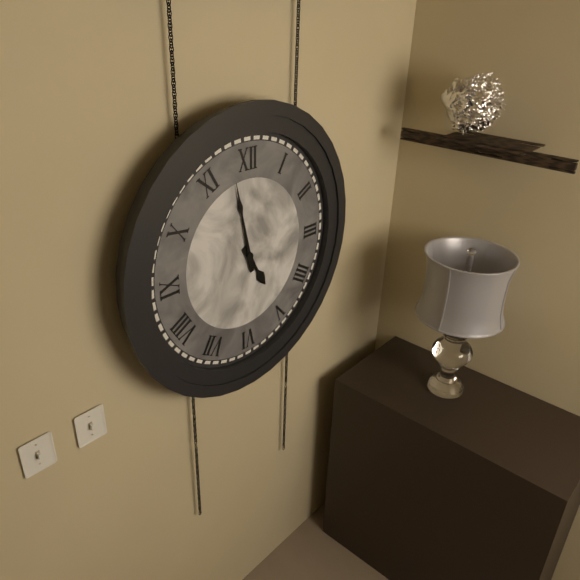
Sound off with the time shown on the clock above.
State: 4:58
